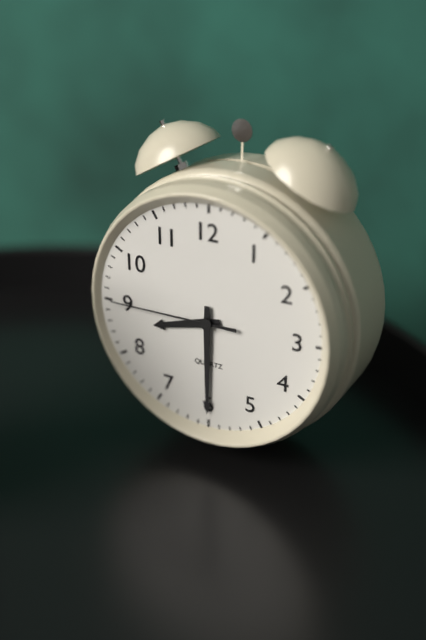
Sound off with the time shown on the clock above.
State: 8:30:45
